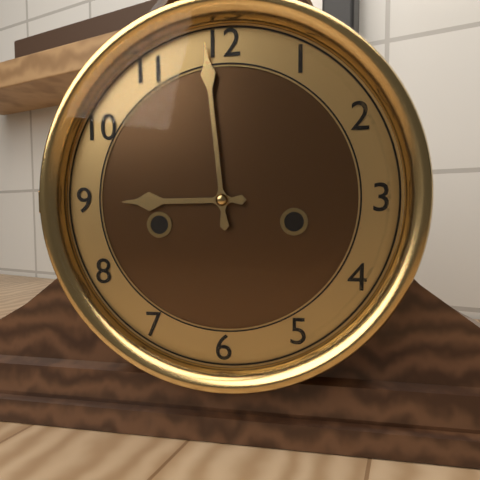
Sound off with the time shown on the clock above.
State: 8:59
